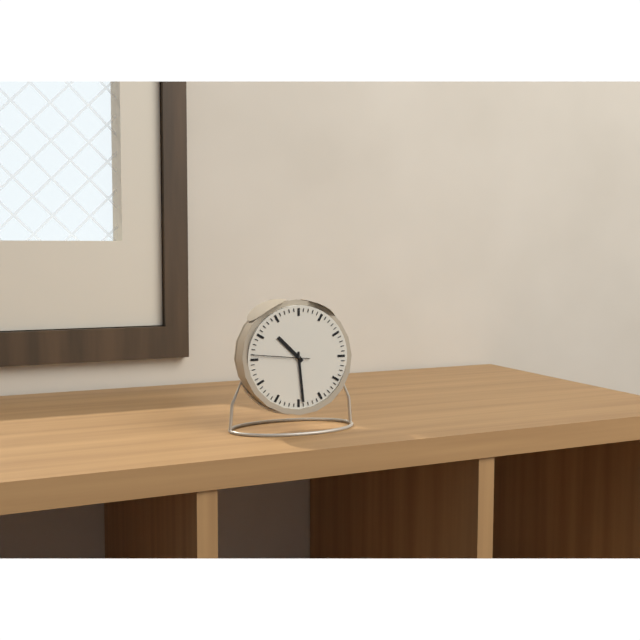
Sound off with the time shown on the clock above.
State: 10:29:46
